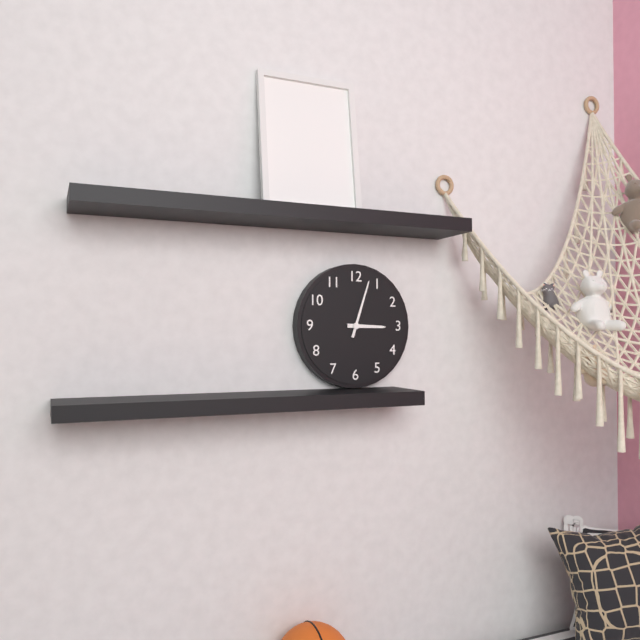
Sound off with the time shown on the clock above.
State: 3:03
